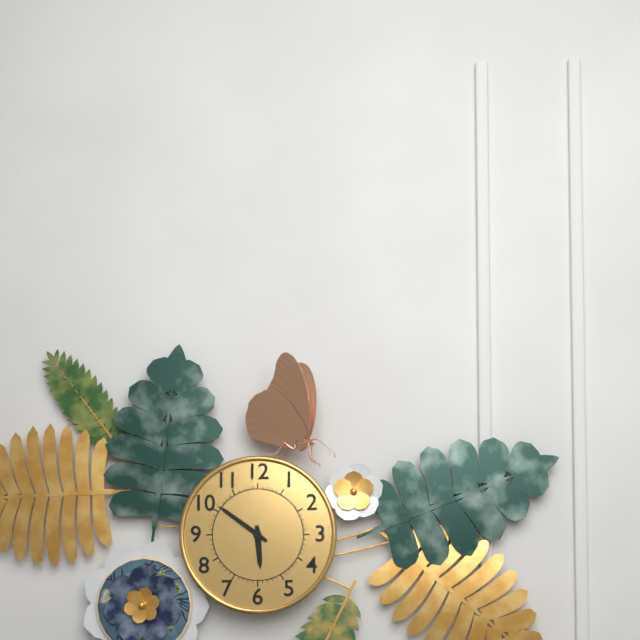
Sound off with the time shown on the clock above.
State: 5:51
